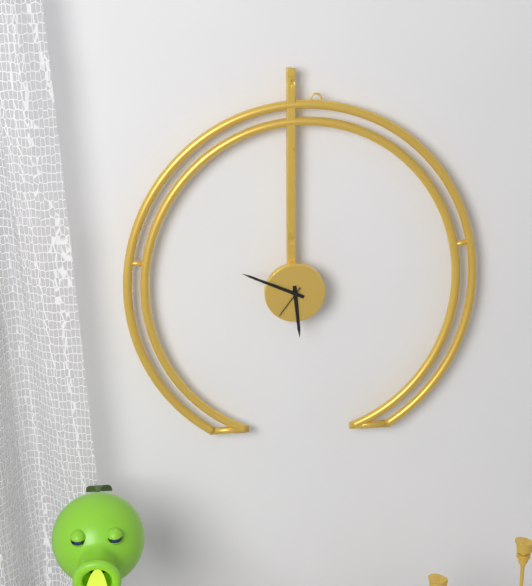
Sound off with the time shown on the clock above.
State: 5:49
